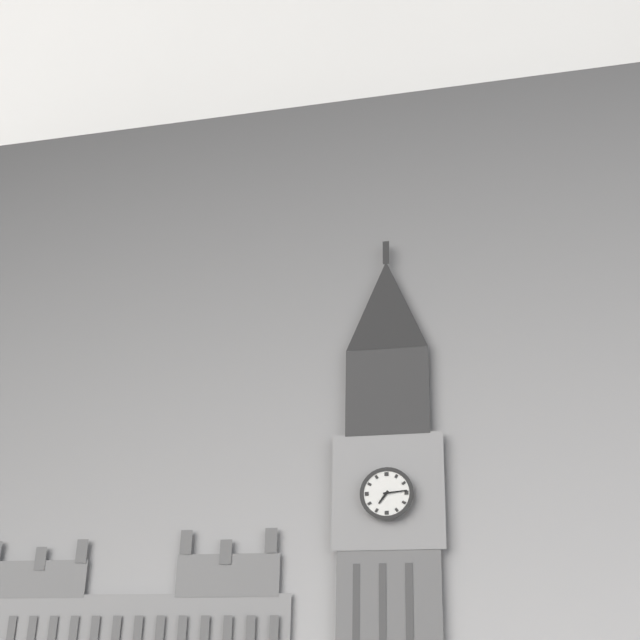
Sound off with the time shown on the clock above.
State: 7:14
